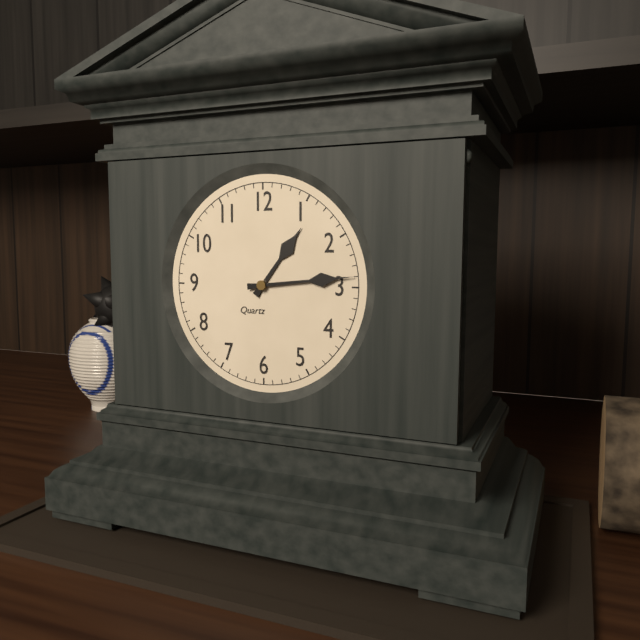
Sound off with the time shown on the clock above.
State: 1:14
